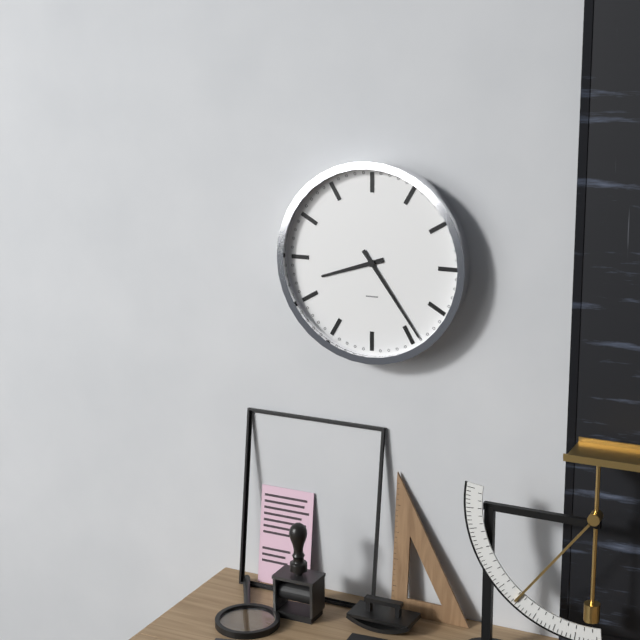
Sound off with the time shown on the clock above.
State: 8:24
